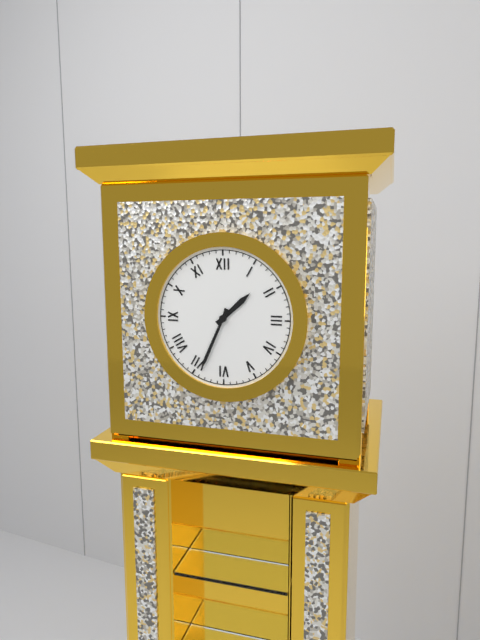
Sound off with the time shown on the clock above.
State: 1:34
